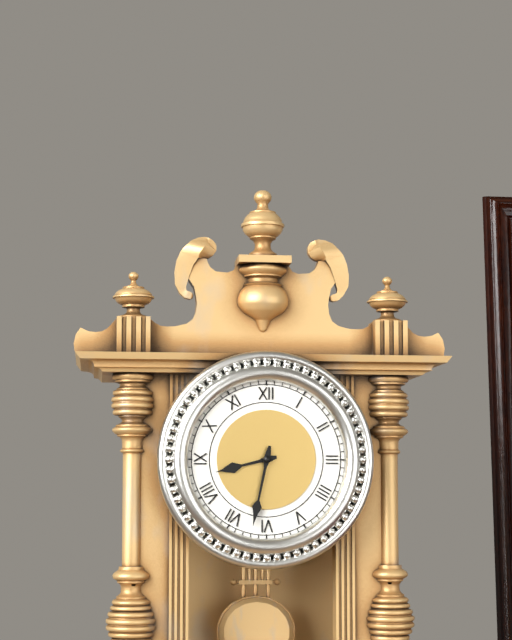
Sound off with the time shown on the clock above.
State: 8:32
